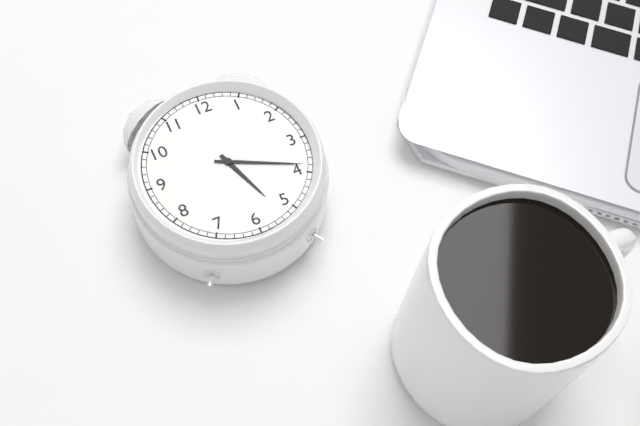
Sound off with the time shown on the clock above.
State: 5:19
